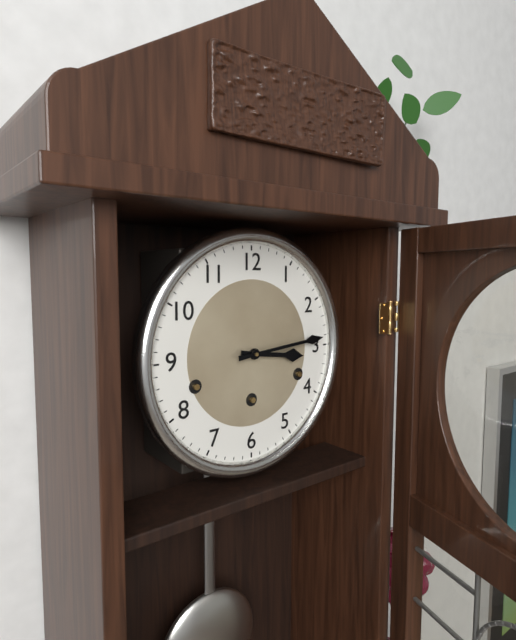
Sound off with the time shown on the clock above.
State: 3:14
